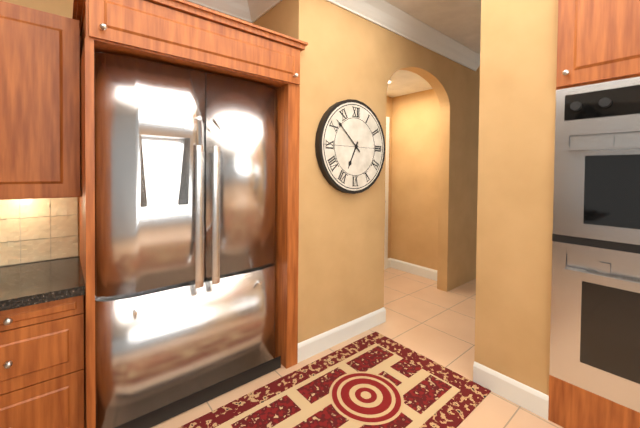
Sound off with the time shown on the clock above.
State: 6:52
